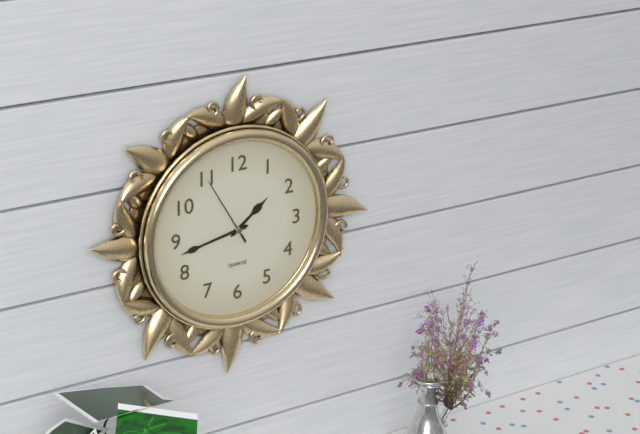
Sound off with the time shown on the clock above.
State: 1:43:55
